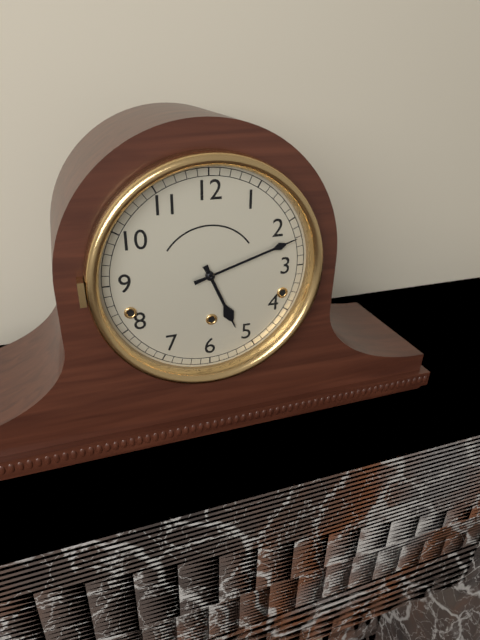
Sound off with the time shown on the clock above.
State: 5:12
